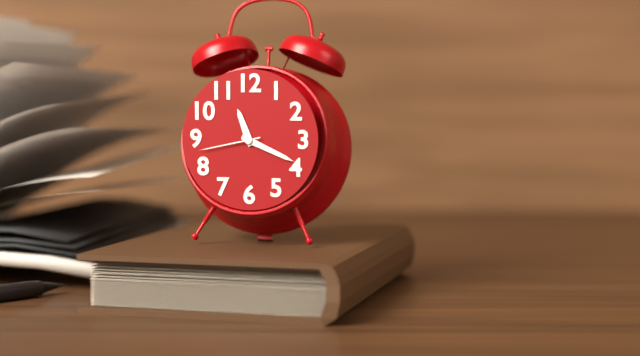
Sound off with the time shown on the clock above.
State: 11:19:43
